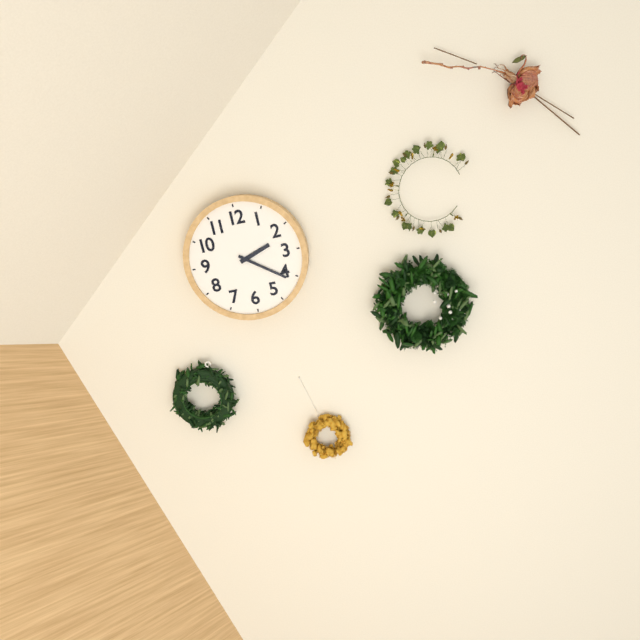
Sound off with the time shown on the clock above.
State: 2:21
